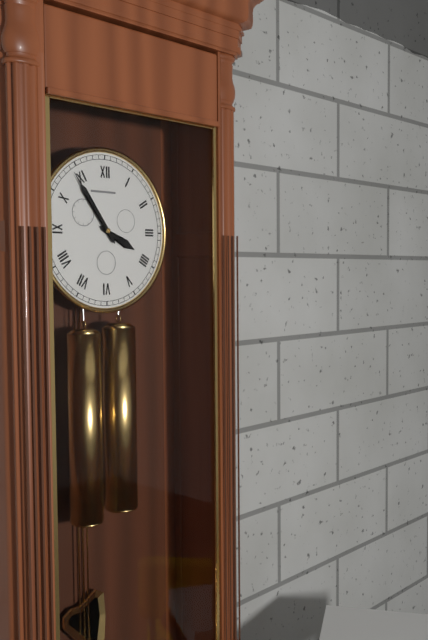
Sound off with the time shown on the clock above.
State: 3:54
